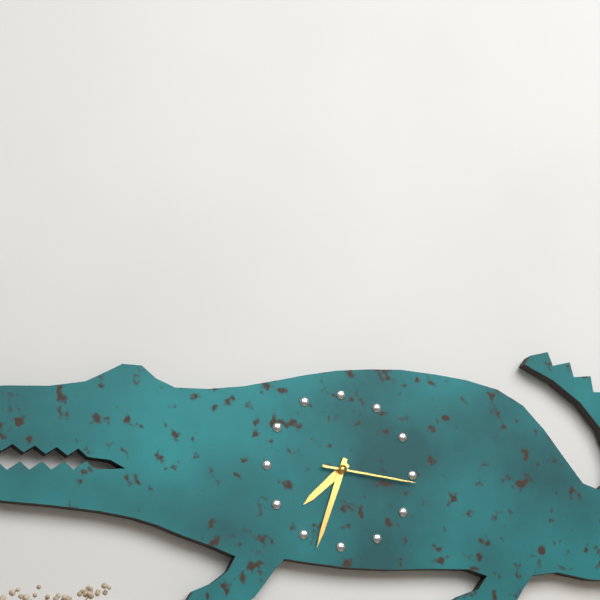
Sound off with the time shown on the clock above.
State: 7:33:16
